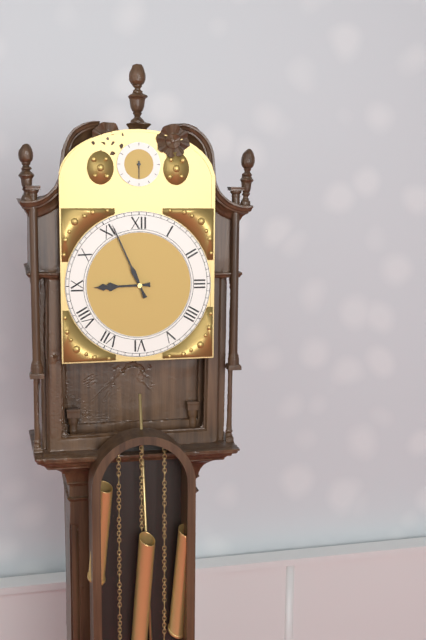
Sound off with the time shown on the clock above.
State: 8:56
